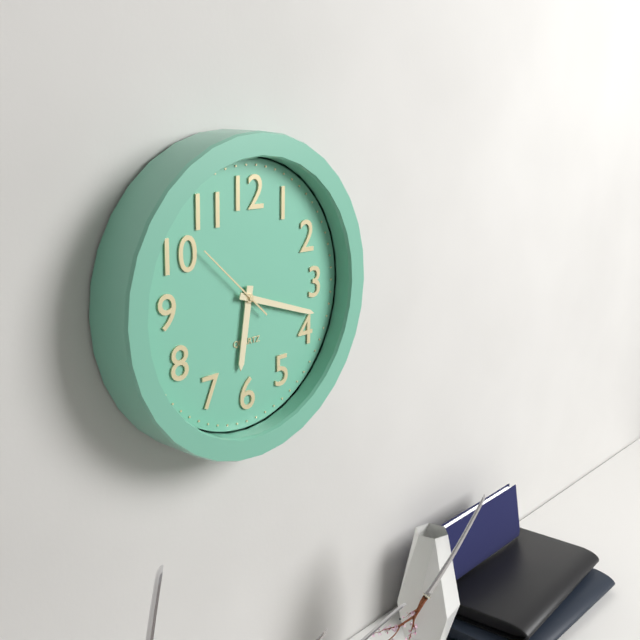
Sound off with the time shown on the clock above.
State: 6:18:52
